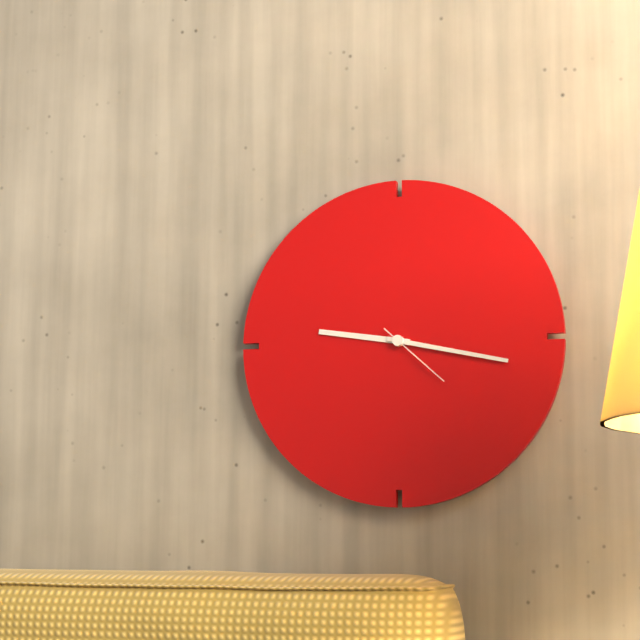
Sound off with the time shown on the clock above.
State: 9:17:22
